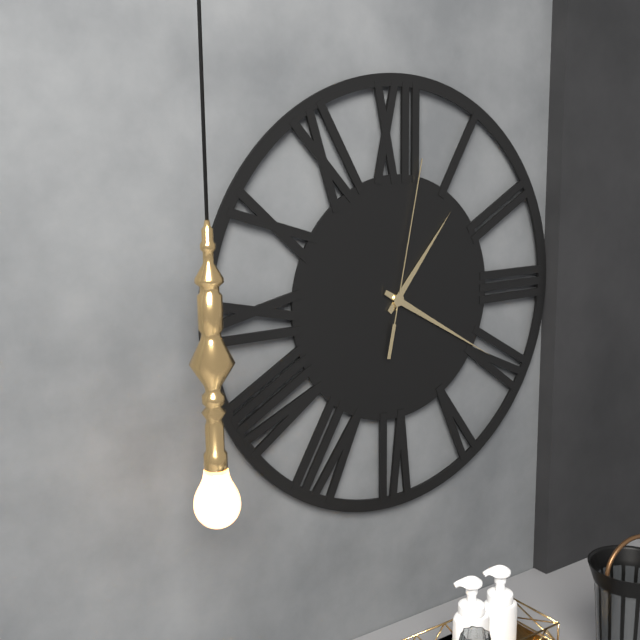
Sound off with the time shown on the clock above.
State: 1:20:02
